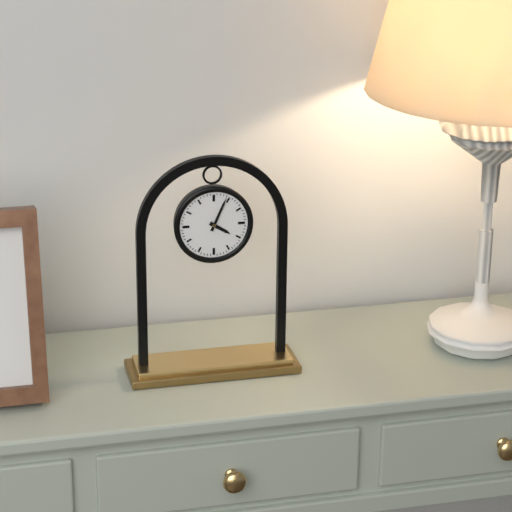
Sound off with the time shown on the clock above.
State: 4:04
